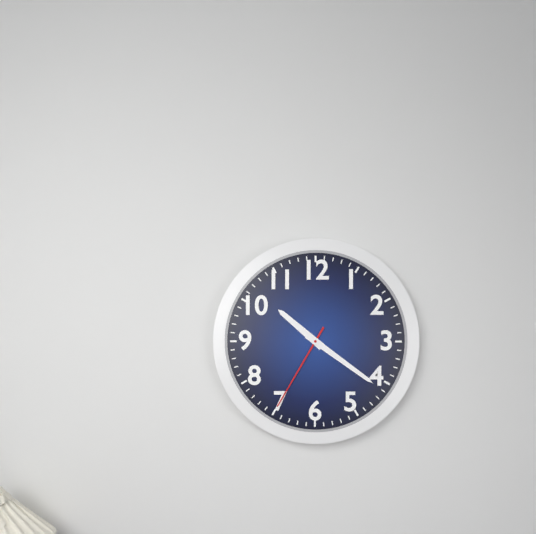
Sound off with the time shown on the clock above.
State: 10:21:35
